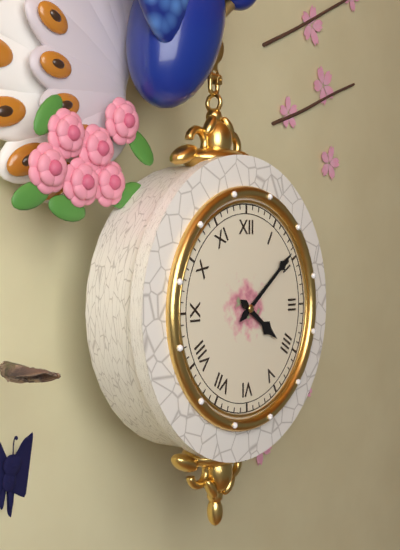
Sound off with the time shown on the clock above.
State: 4:09
